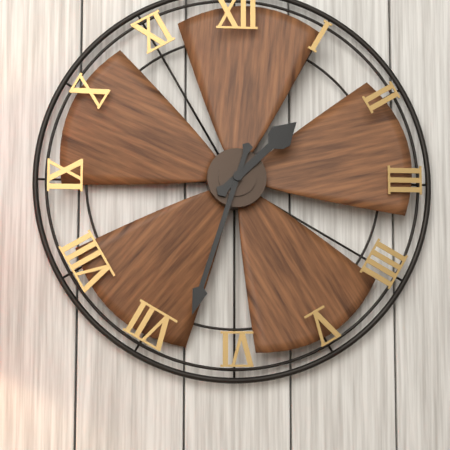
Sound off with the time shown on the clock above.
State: 1:33
